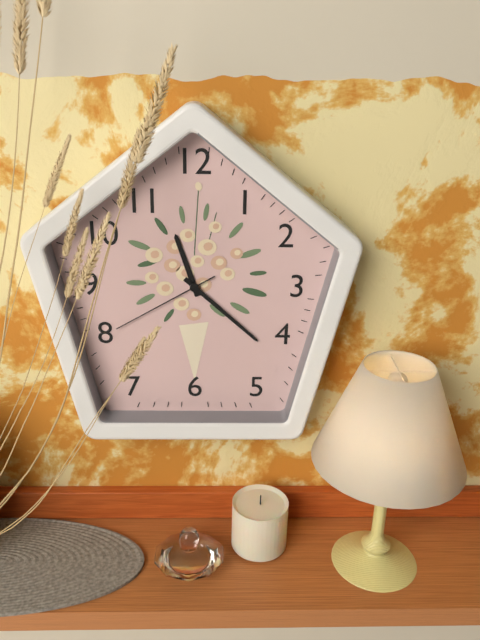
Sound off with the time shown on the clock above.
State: 11:22:40
